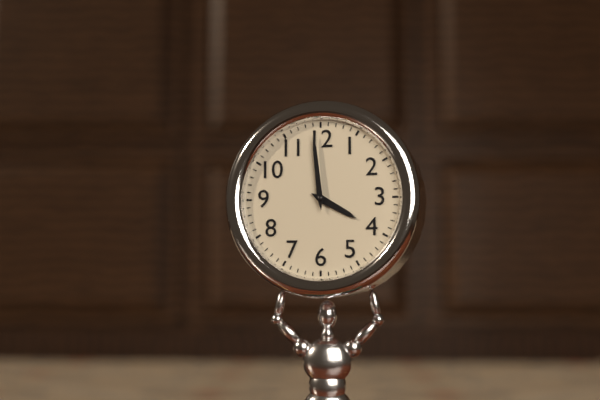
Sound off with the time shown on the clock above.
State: 3:59
